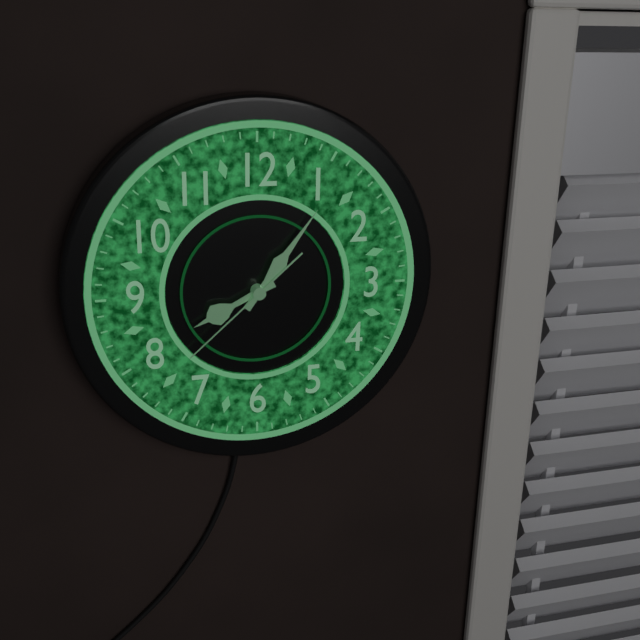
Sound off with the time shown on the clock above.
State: 8:06:38
